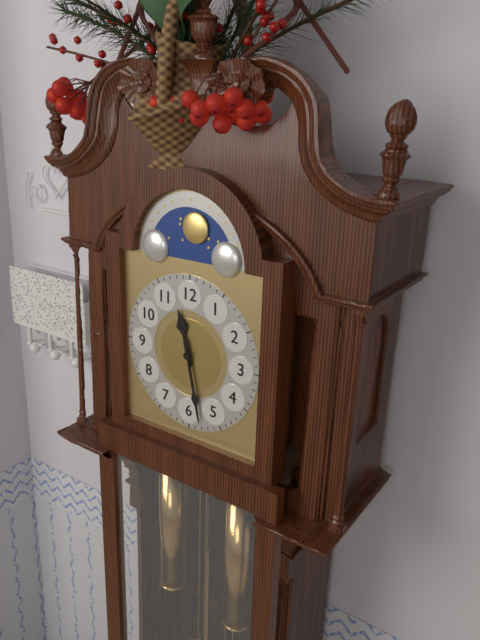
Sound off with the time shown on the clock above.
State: 11:28
